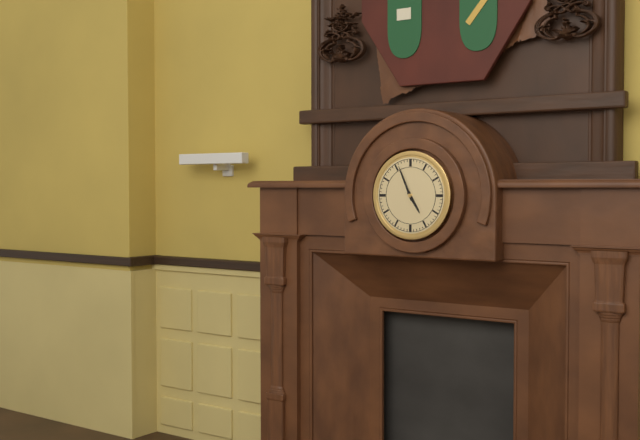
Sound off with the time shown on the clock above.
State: 4:56
